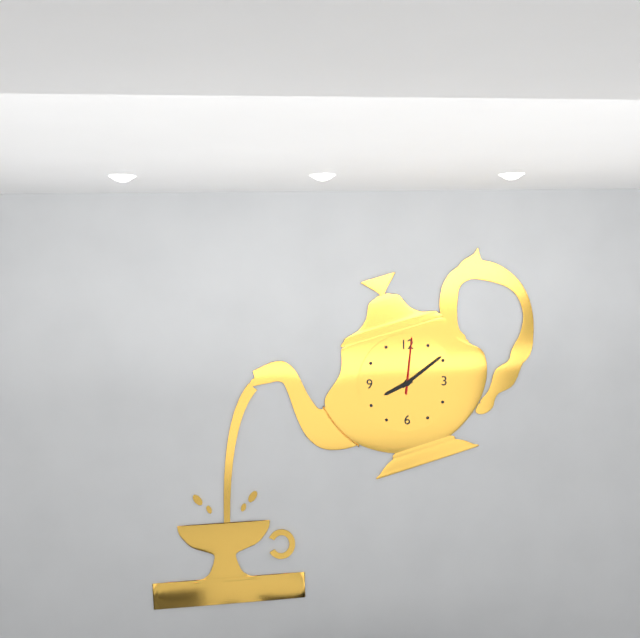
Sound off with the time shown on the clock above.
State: 8:09:01
